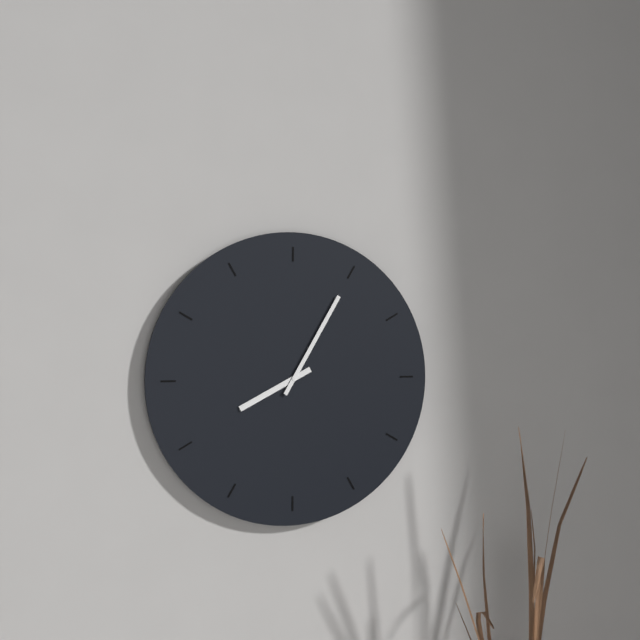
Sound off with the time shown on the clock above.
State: 8:05
